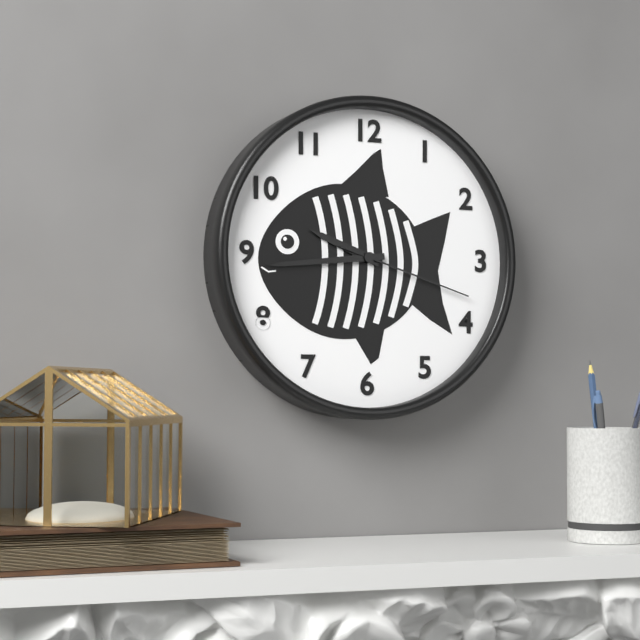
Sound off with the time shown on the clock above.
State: 9:44:18
